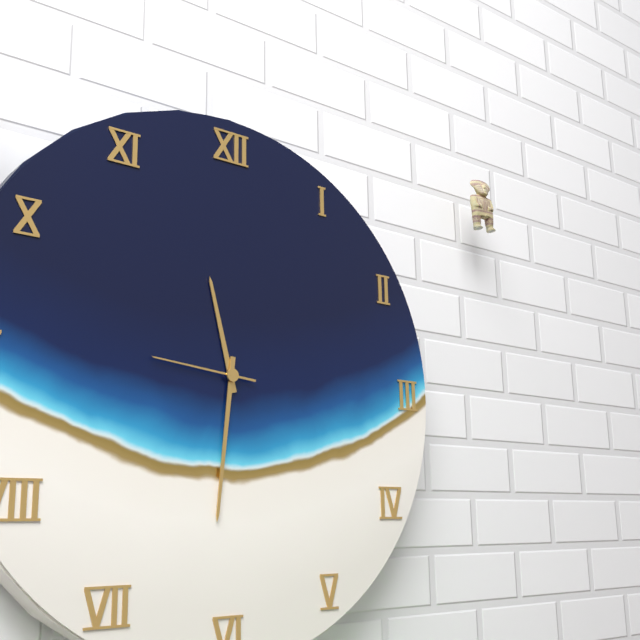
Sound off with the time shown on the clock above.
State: 11:31:46
